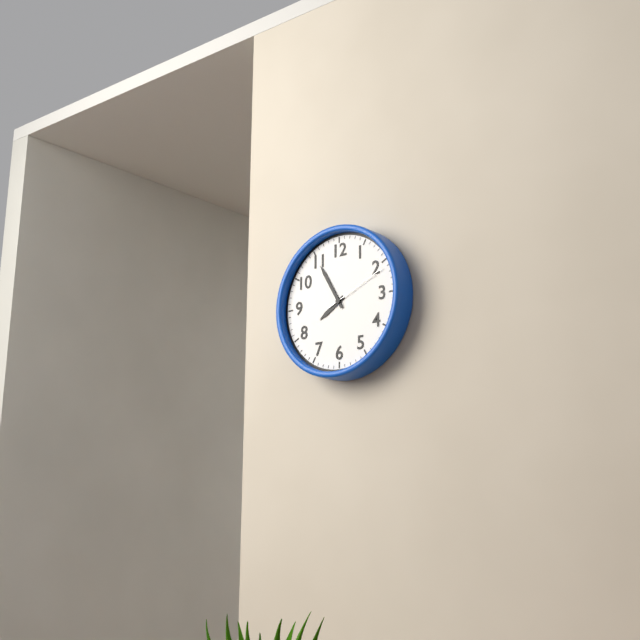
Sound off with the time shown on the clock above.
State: 7:55:11
